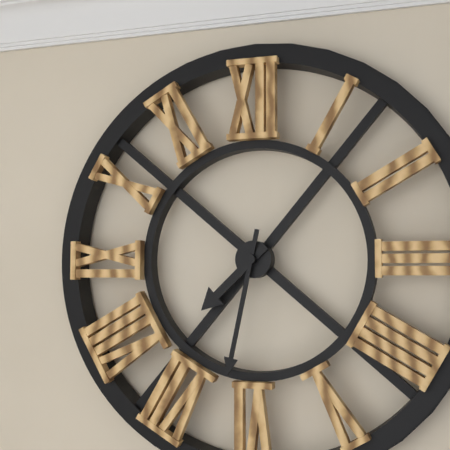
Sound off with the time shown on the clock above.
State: 7:32
